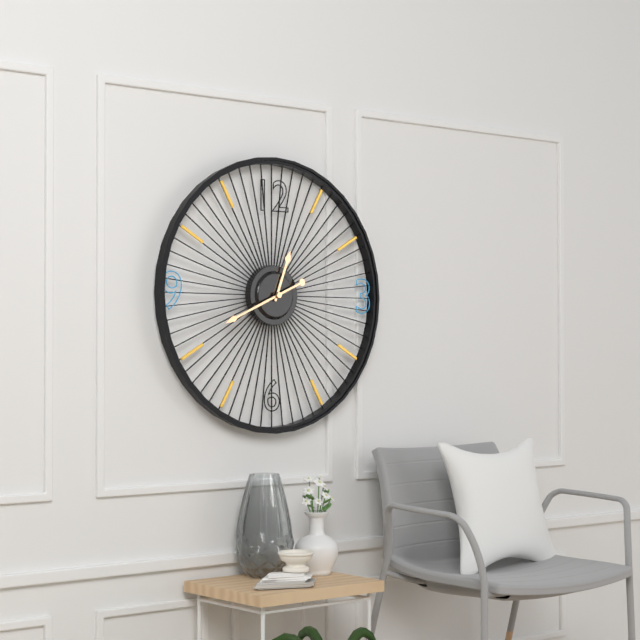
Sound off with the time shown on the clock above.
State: 12:41
